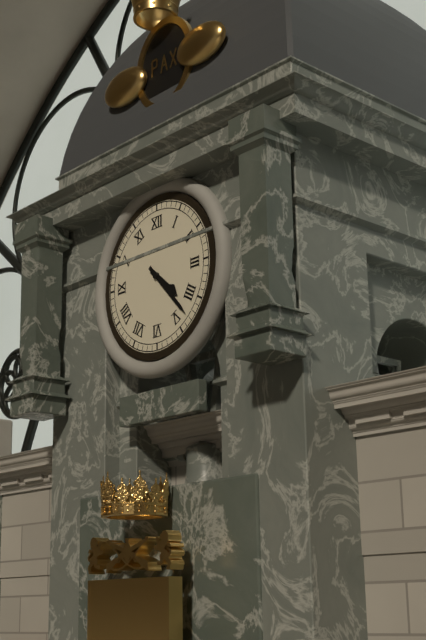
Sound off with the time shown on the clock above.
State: 4:23
